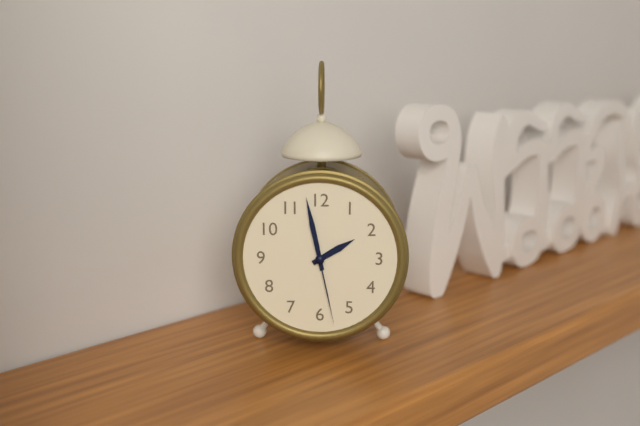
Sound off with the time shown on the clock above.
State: 1:58:28
